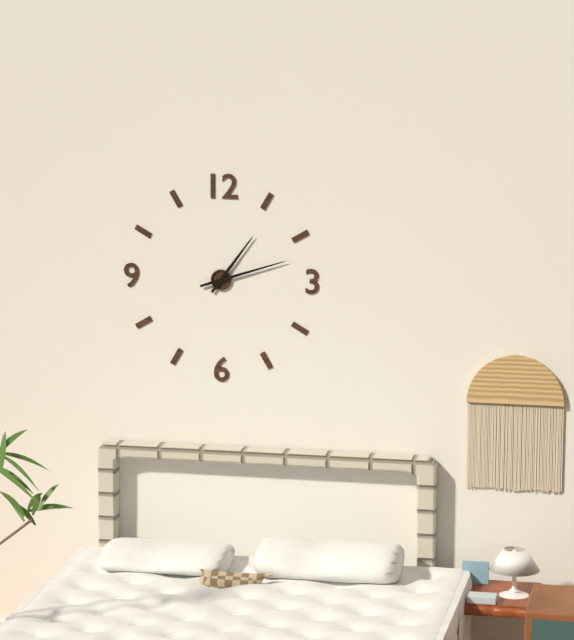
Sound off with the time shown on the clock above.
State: 1:12
